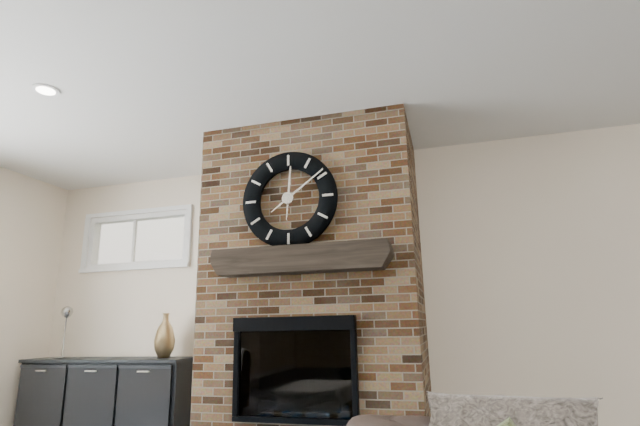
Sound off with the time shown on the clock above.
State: 12:09
